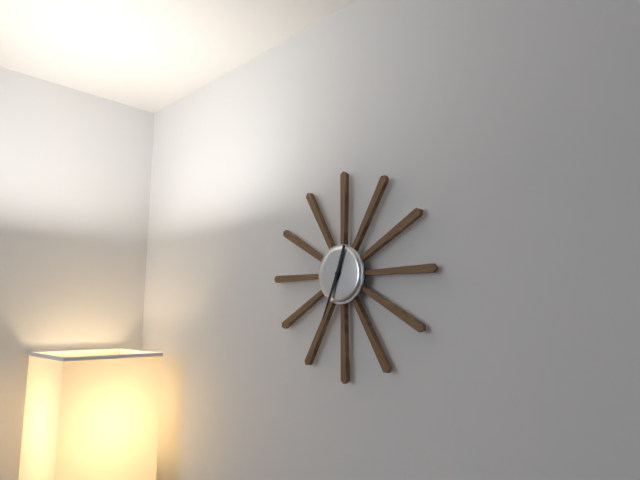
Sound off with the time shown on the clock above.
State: 12:34
